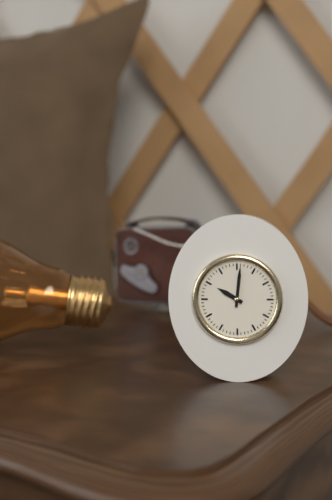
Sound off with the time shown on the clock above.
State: 10:01
